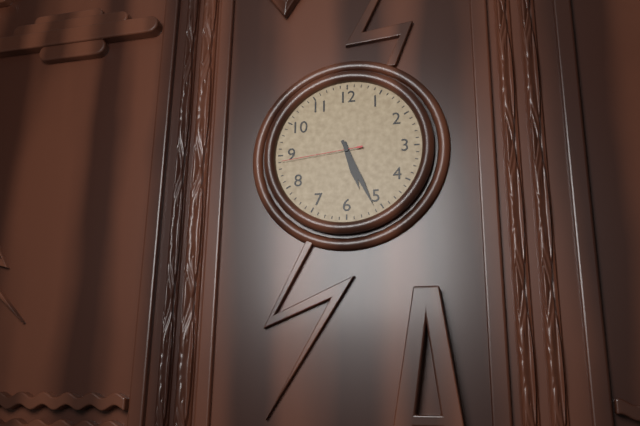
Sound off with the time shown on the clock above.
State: 5:26:44
